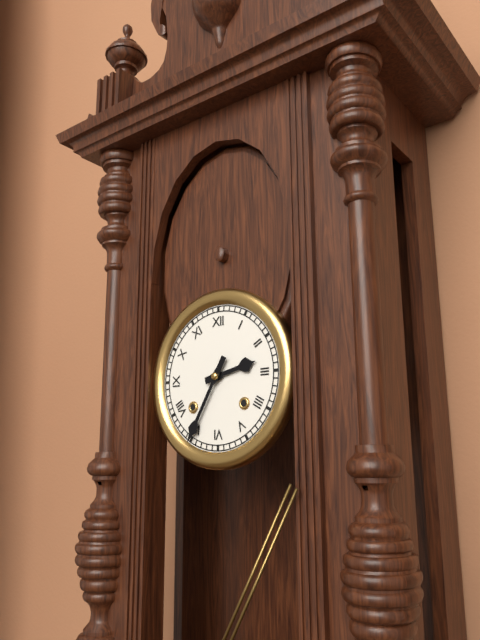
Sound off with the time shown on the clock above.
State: 2:35
